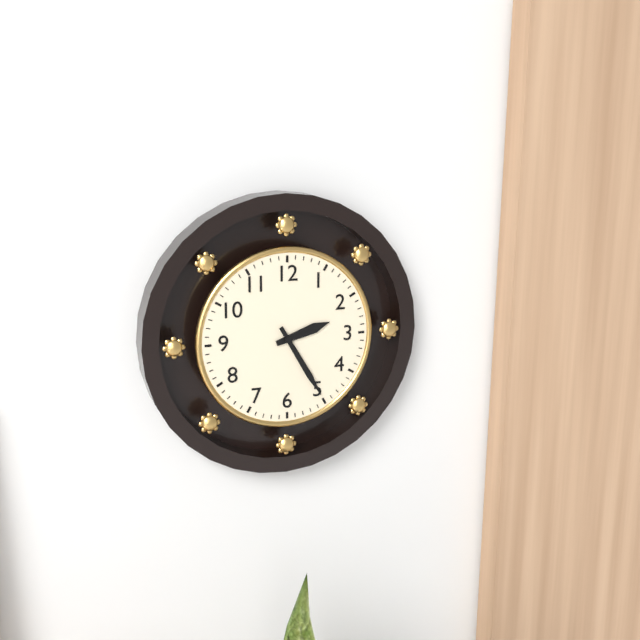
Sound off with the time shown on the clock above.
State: 2:25
